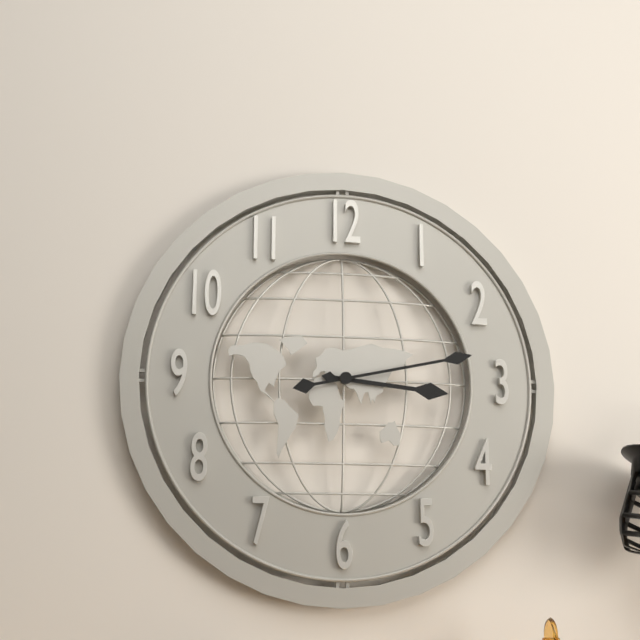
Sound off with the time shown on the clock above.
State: 3:13
